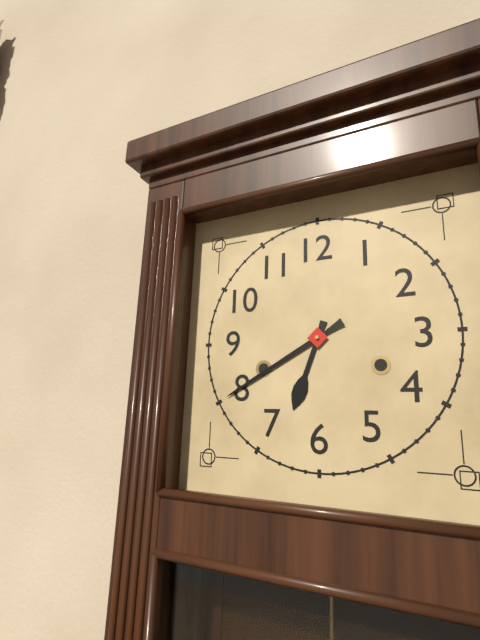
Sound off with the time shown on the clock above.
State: 6:40
